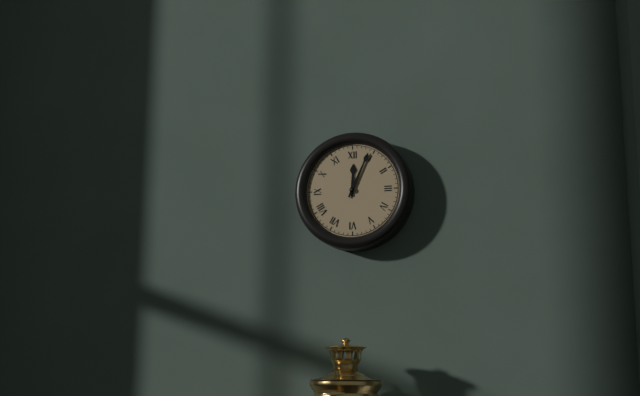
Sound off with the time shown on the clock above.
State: 12:04
